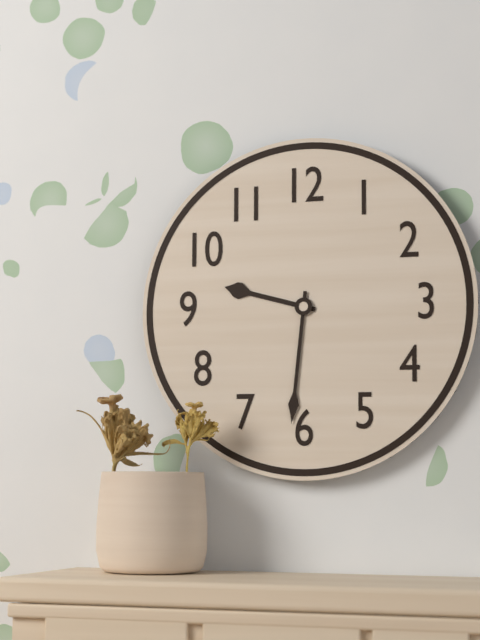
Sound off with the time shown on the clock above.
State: 9:31
